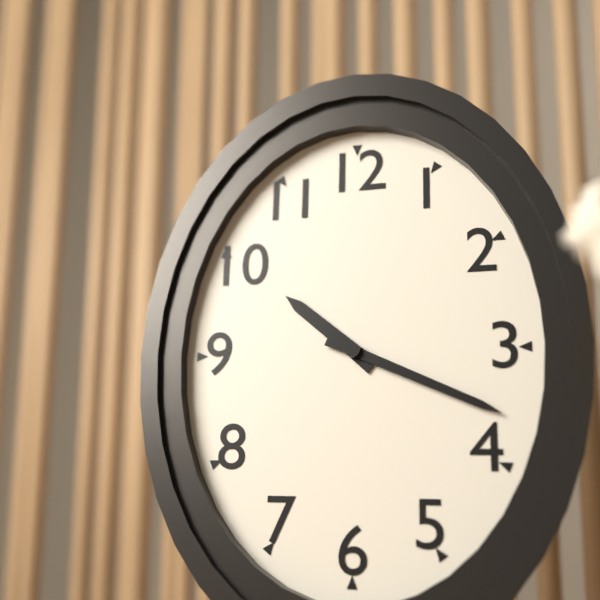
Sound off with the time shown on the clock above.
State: 10:19
